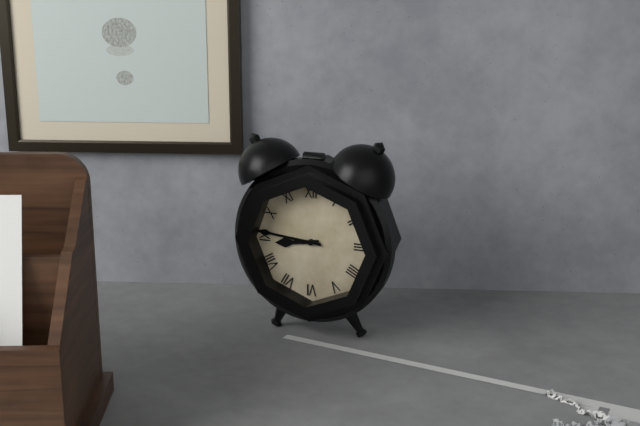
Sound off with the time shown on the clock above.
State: 8:46
